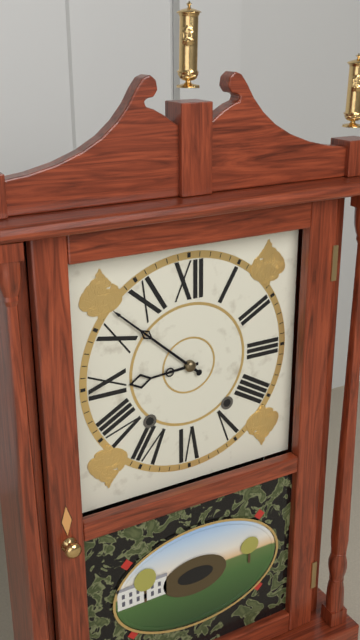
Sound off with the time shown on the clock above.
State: 8:52
